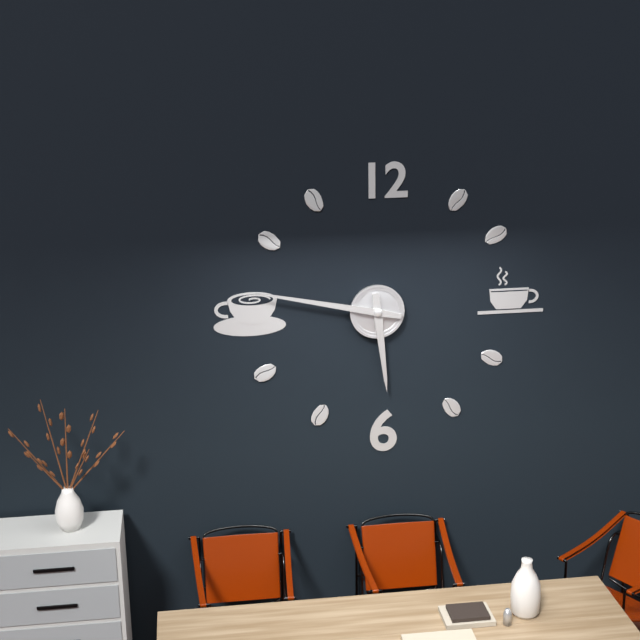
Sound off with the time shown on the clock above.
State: 5:47
